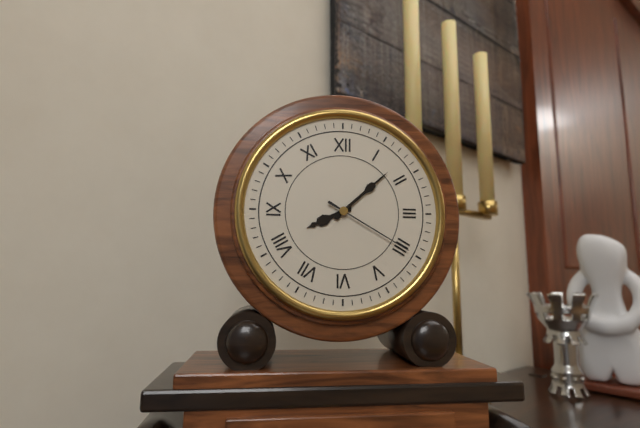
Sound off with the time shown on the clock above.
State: 8:08:20
